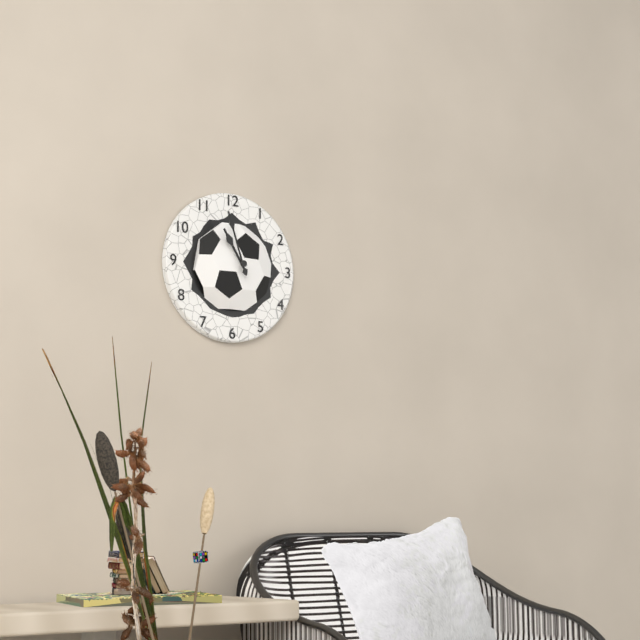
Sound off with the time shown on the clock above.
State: 10:57
